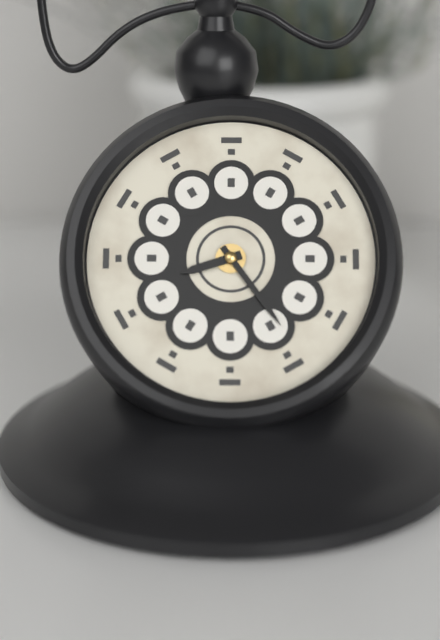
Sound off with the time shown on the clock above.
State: 8:24
